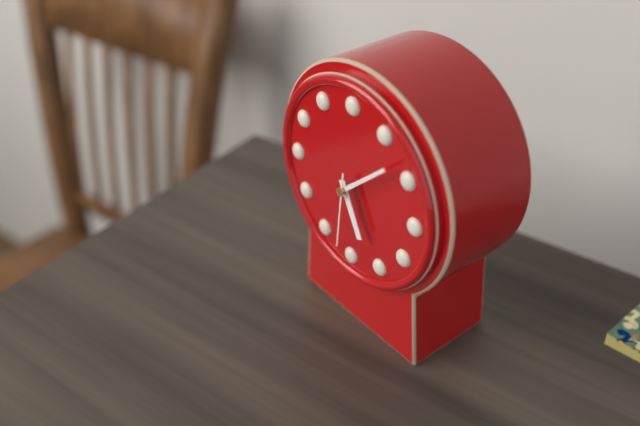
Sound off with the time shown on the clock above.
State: 5:08:31
